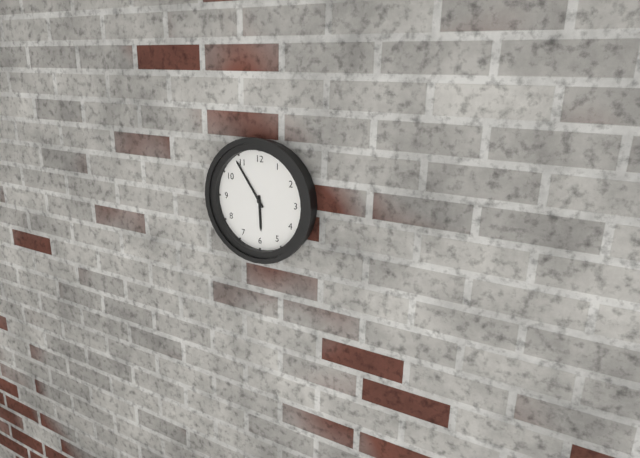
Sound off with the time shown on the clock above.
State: 5:54
